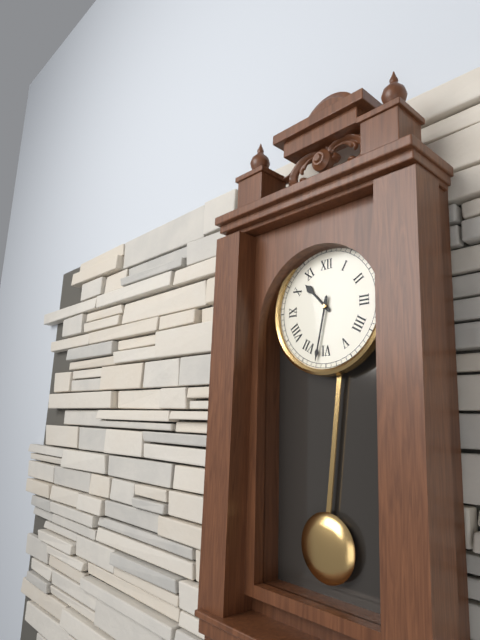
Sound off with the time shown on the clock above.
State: 10:32
